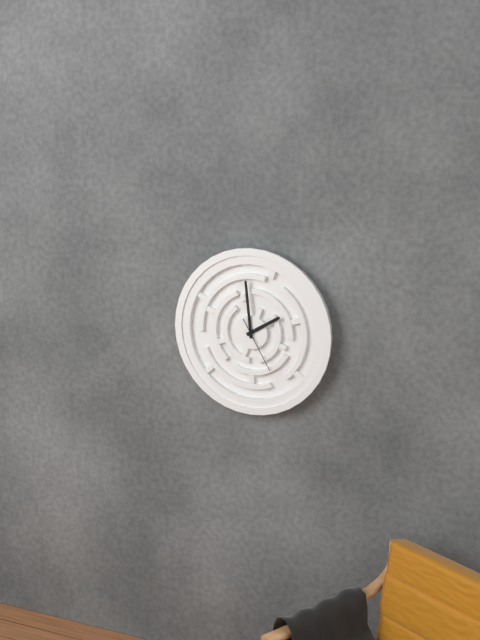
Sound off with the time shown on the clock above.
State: 1:59:25
